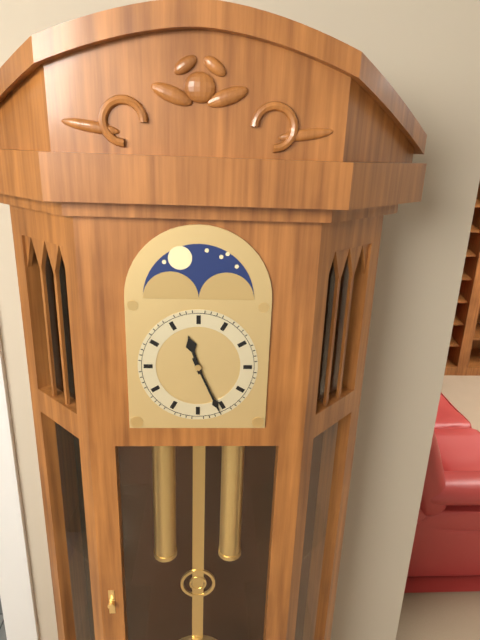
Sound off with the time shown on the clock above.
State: 11:26
